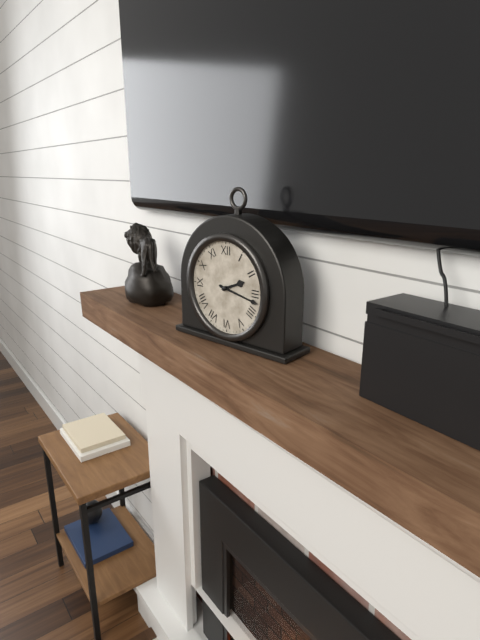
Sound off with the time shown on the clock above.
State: 2:17
